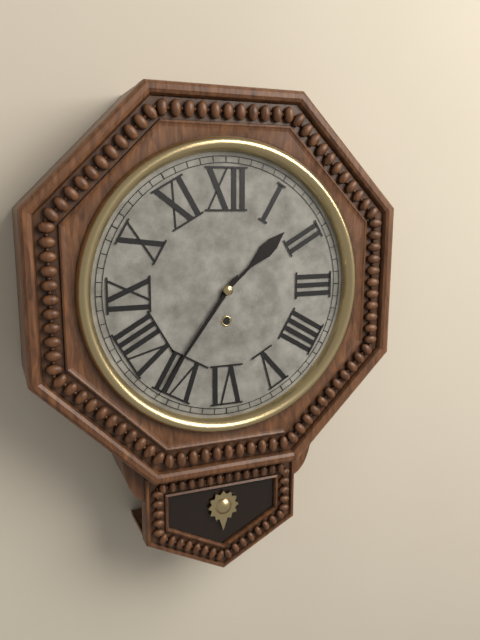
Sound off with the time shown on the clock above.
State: 1:36
